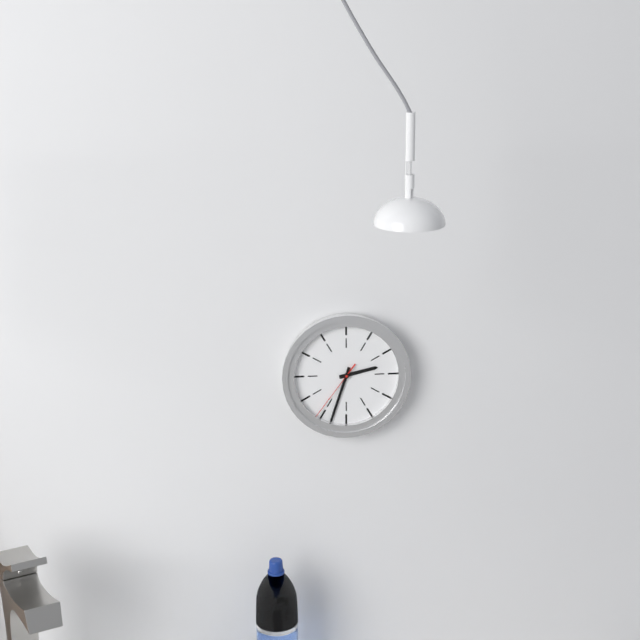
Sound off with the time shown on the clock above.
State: 2:33:36
